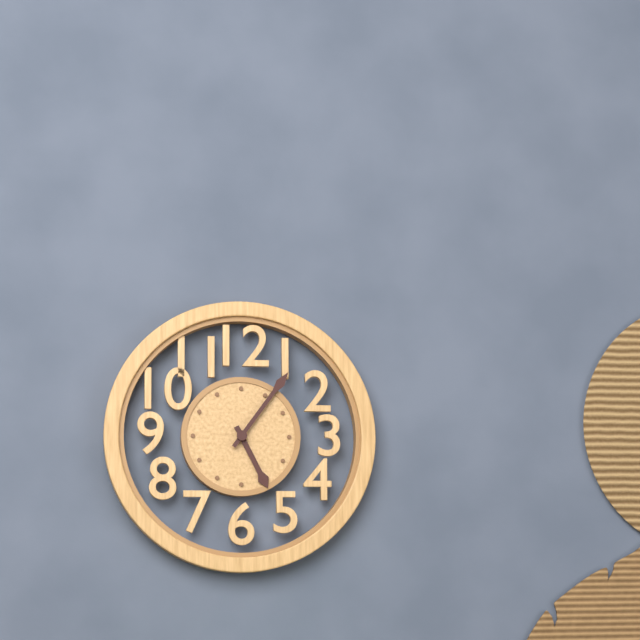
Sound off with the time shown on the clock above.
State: 5:06
